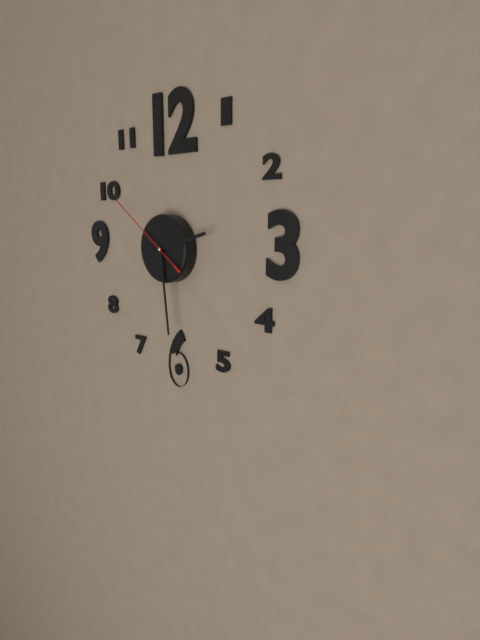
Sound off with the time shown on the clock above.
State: 2:29:51
